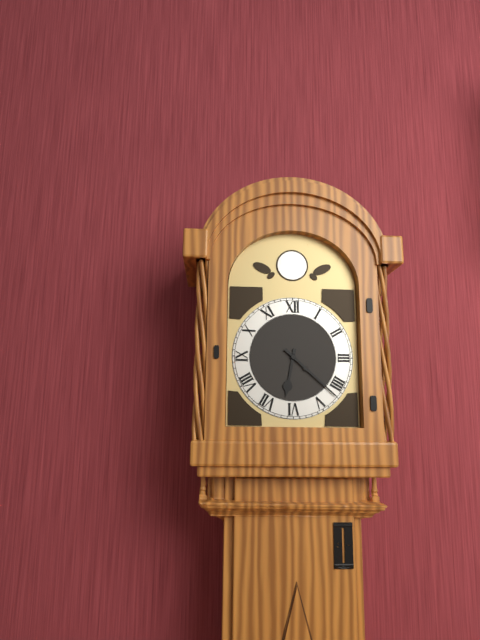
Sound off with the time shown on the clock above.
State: 6:22
